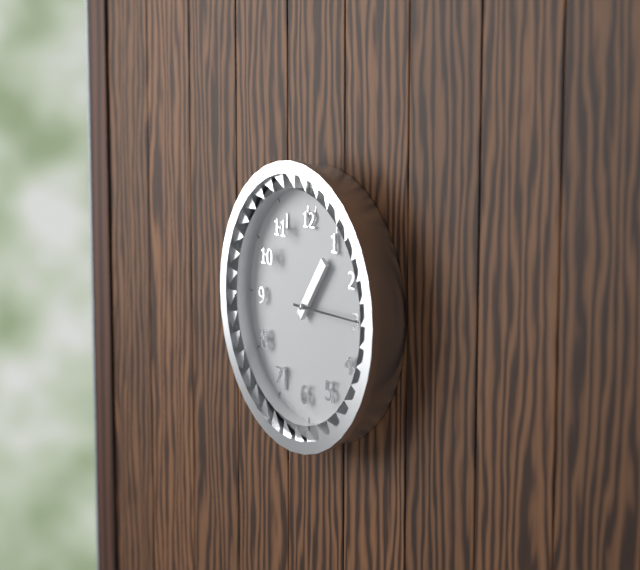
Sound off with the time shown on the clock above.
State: 1:15
